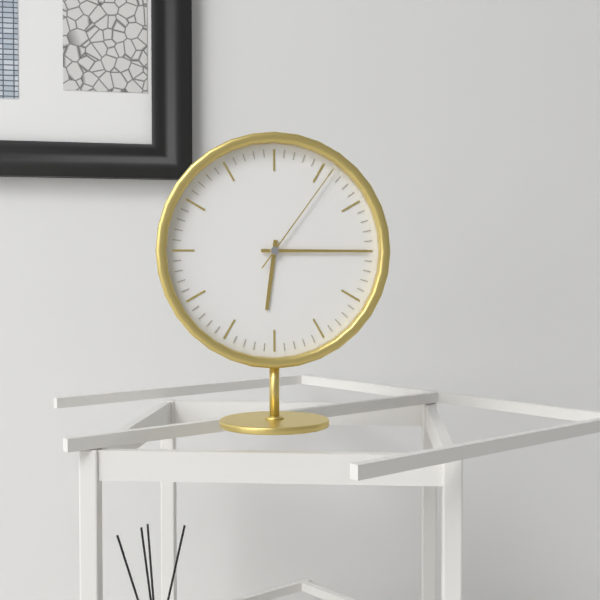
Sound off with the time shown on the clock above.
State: 6:15:06
